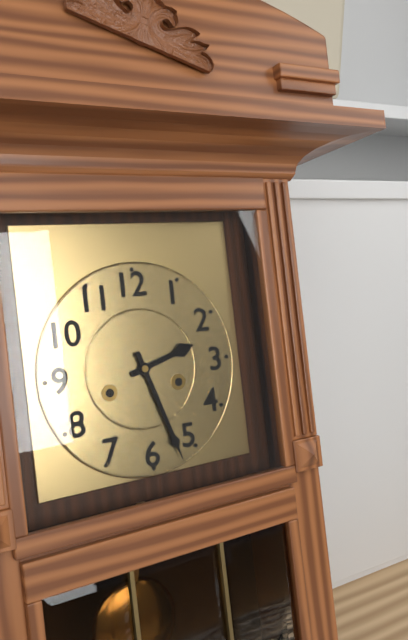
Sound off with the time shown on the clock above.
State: 2:27
